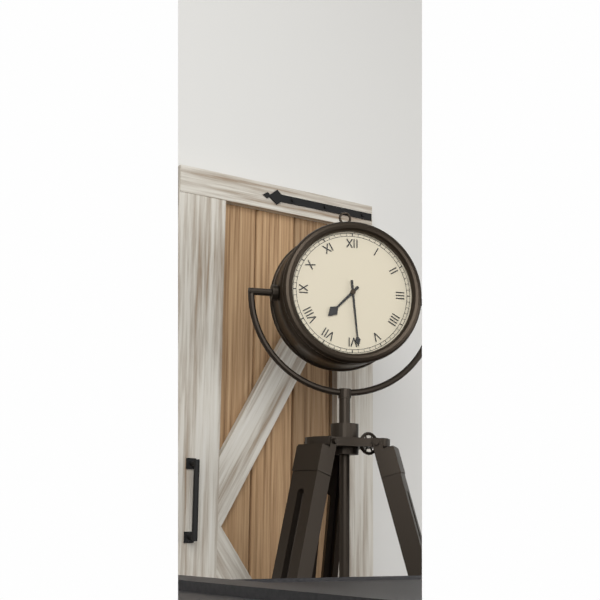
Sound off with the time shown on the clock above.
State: 7:29
